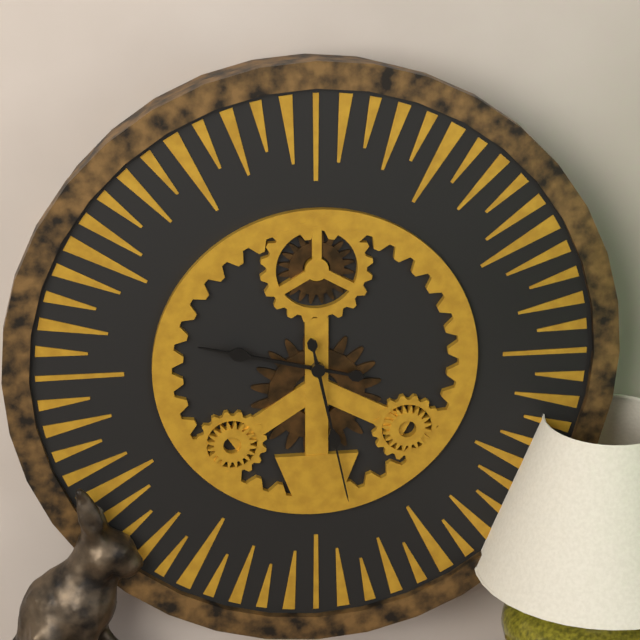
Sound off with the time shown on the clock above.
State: 9:28
